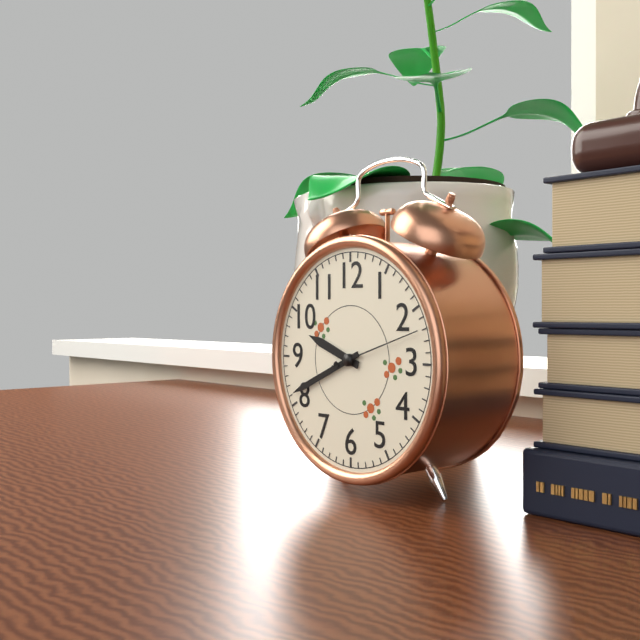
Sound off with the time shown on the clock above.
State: 9:41:12
